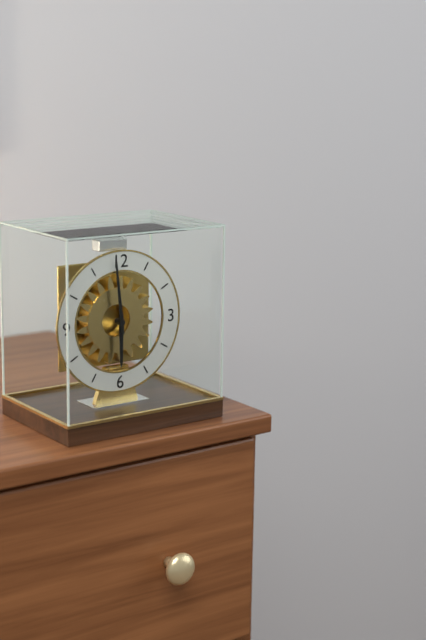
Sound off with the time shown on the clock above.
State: 5:59
